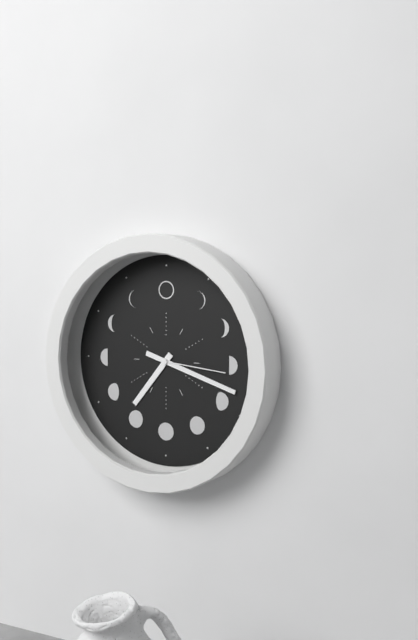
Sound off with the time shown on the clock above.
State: 7:18:16
